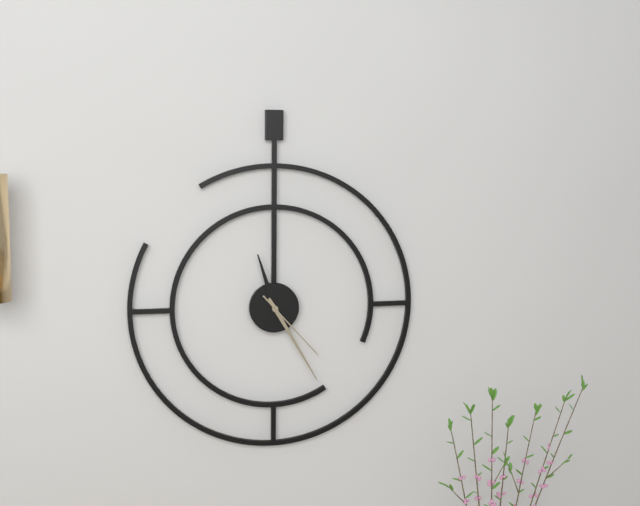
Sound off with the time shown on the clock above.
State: 11:25:23
